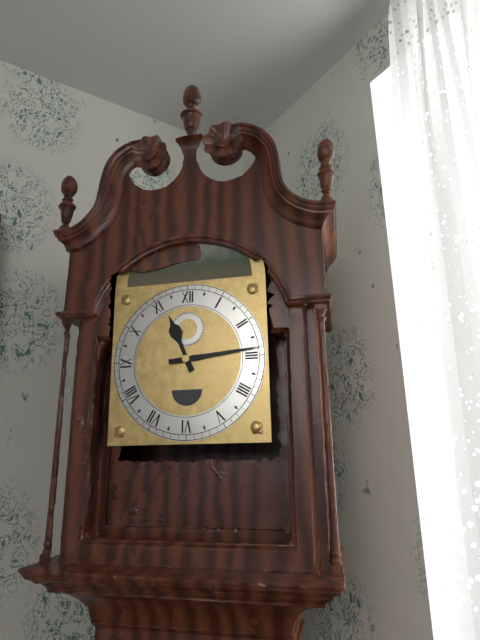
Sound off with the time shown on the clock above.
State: 11:14
